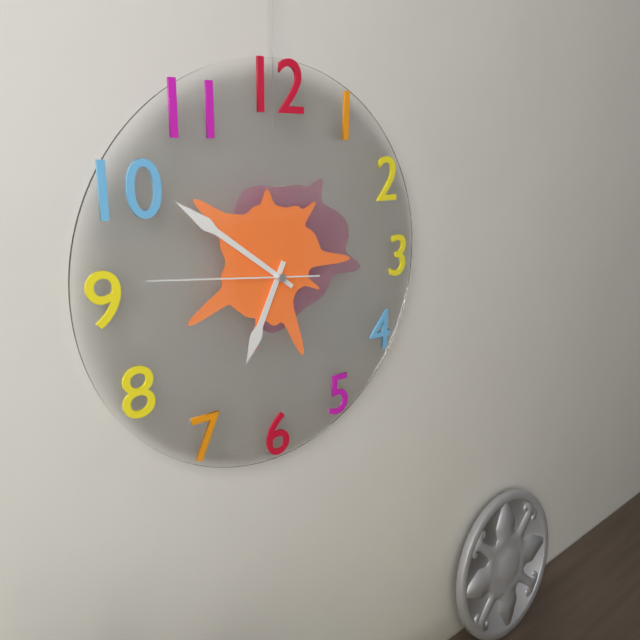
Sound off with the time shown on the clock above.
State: 6:51:46
